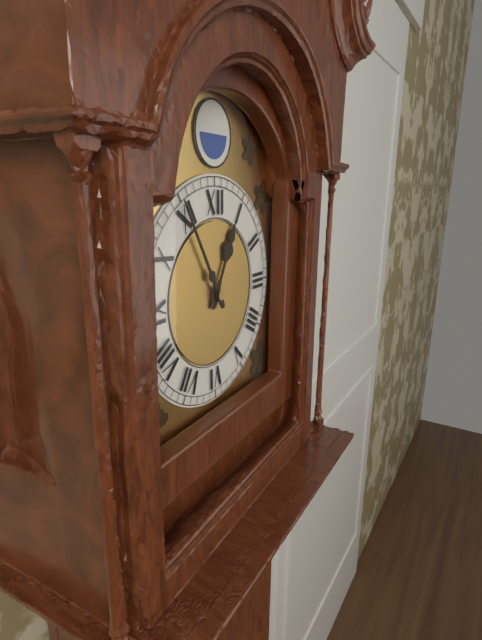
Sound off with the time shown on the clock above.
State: 12:55
